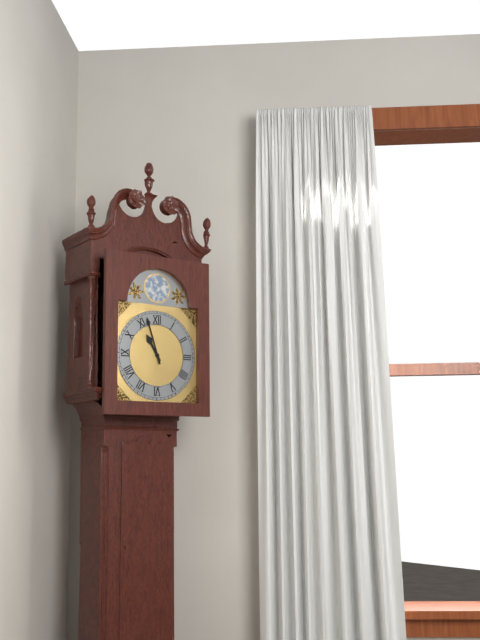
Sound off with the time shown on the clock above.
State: 10:57
